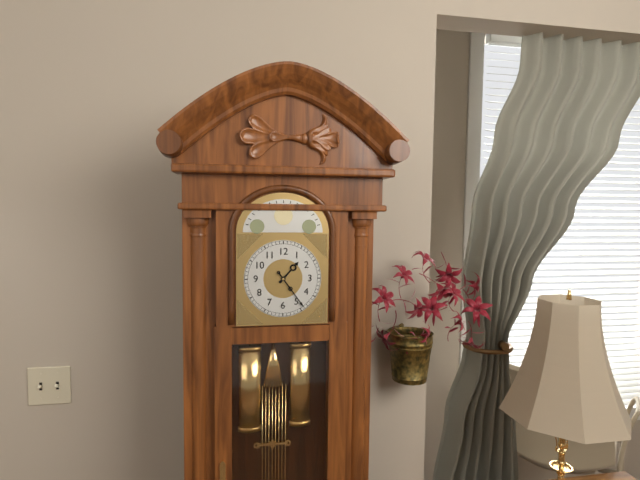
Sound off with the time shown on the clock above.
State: 1:24
